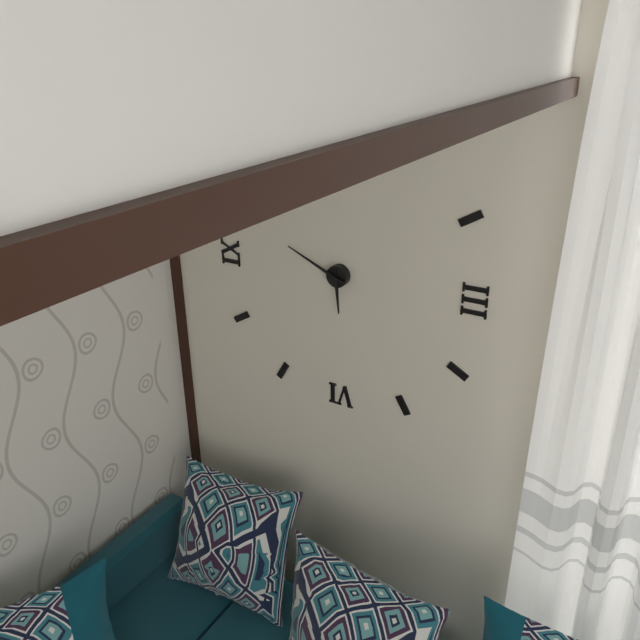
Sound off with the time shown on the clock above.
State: 5:49
